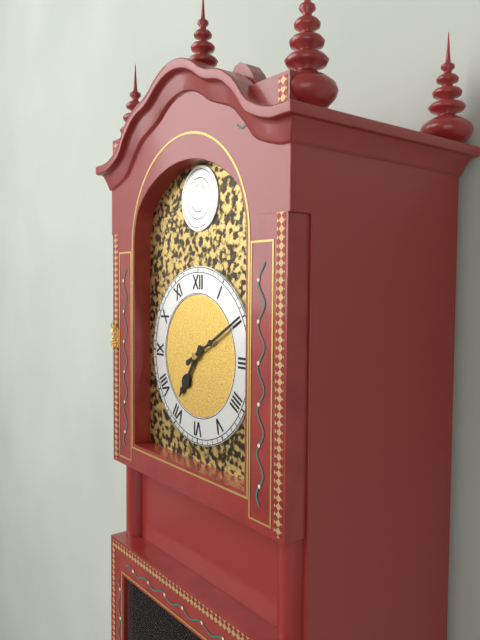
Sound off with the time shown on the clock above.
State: 7:10
